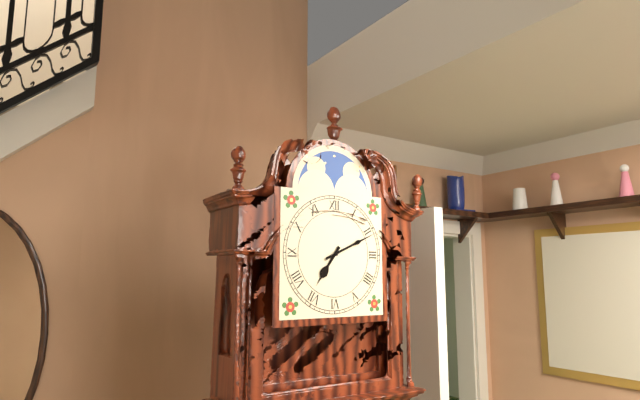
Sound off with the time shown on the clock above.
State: 7:11
